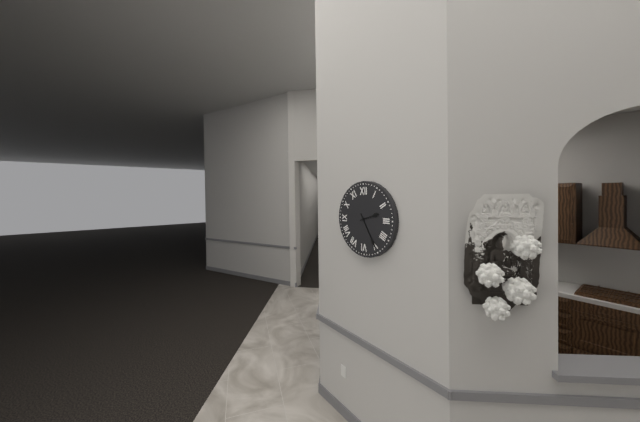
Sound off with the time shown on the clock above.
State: 2:25
